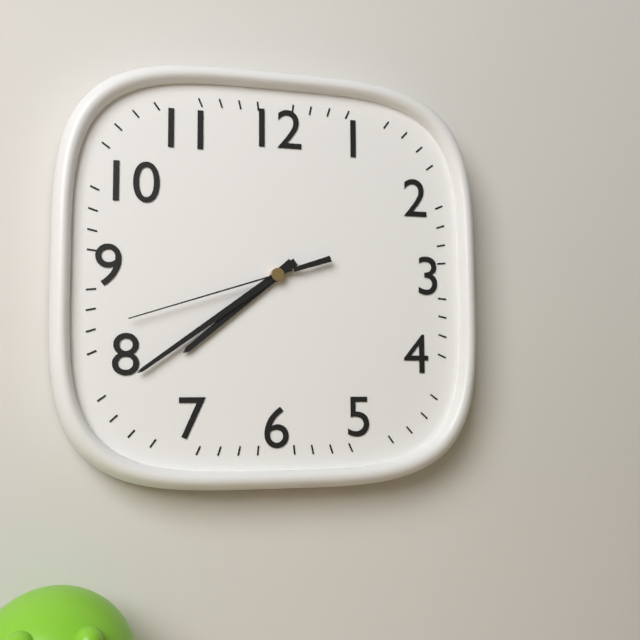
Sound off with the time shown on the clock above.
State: 7:39:42
